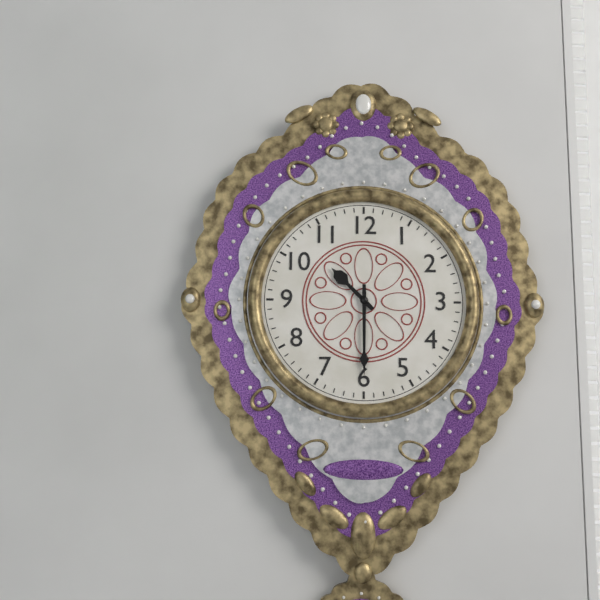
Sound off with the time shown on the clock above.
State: 10:30
